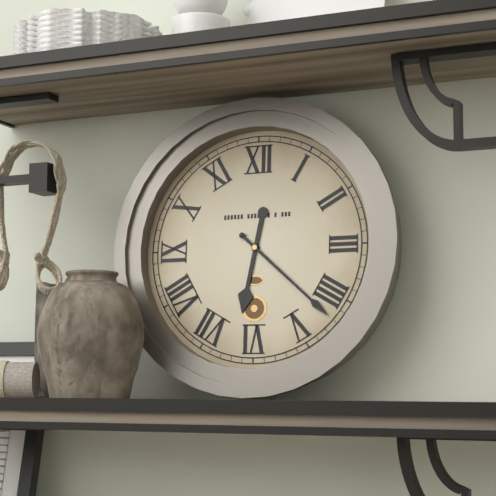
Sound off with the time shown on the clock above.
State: 6:22
